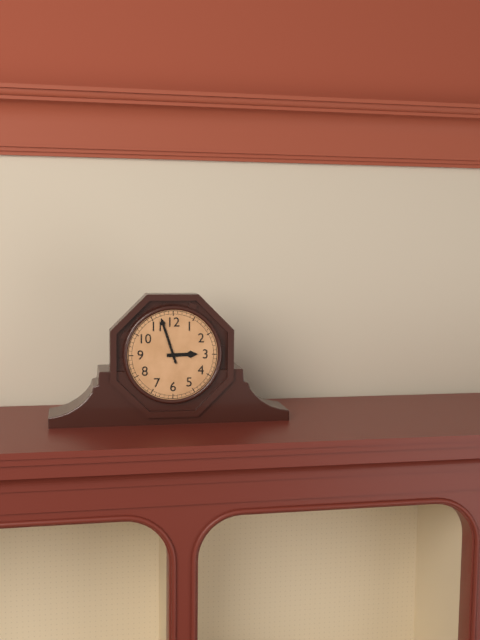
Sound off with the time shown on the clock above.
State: 2:57
